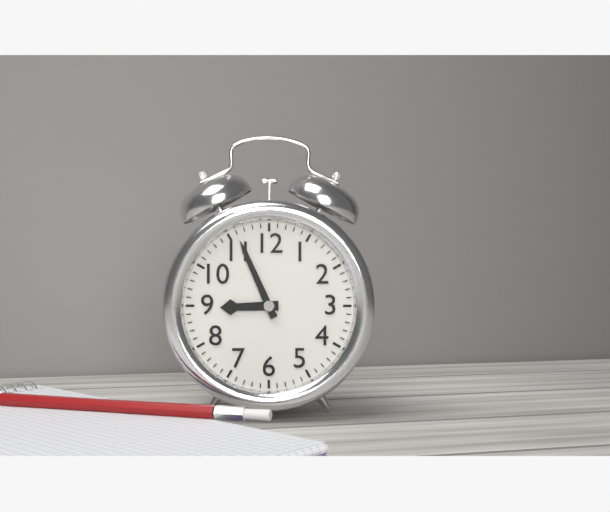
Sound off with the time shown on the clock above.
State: 8:56
